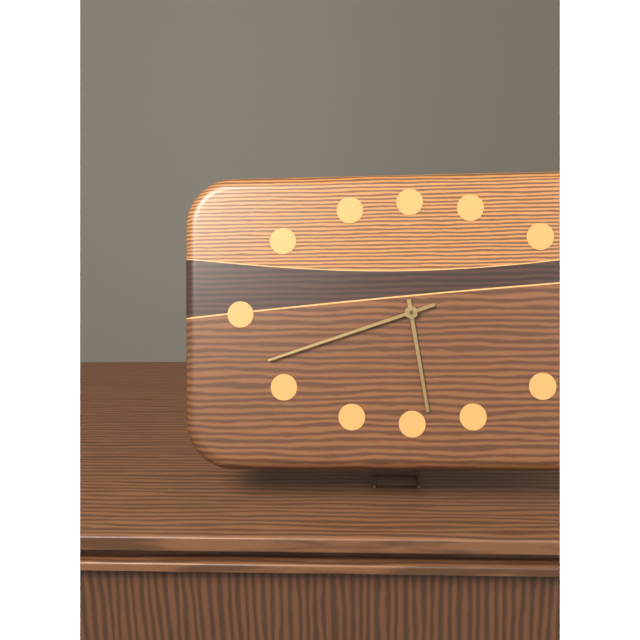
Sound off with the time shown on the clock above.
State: 5:42
